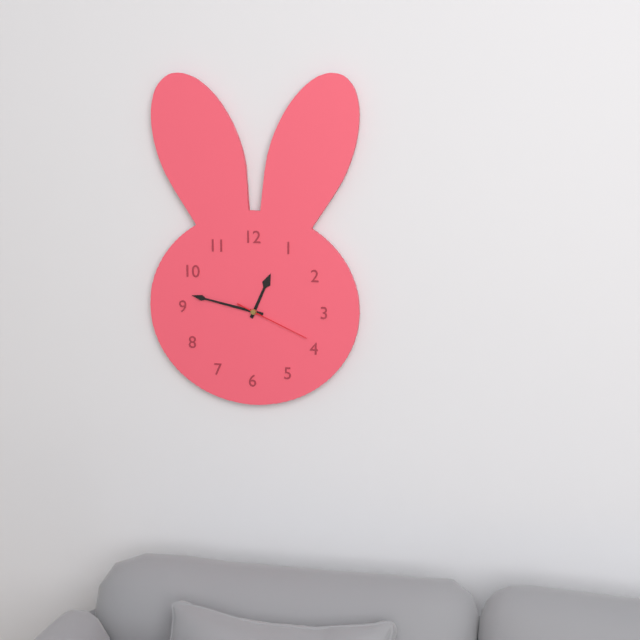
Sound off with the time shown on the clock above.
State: 12:47:19
